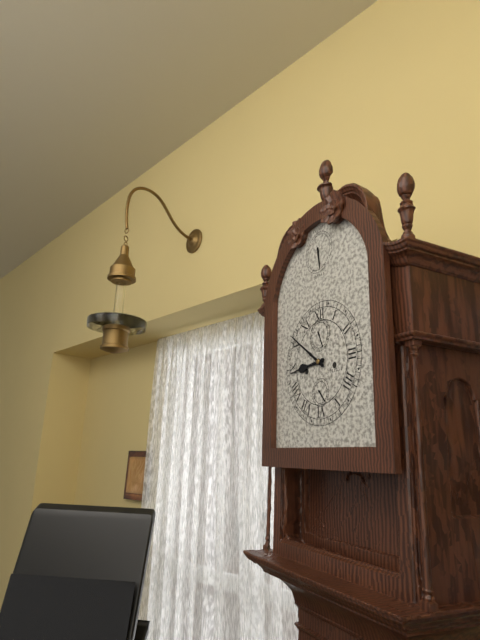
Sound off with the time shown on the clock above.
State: 8:51
